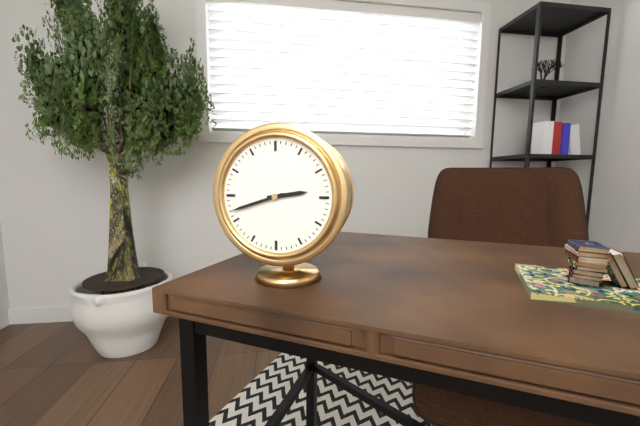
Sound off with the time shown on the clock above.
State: 2:42
